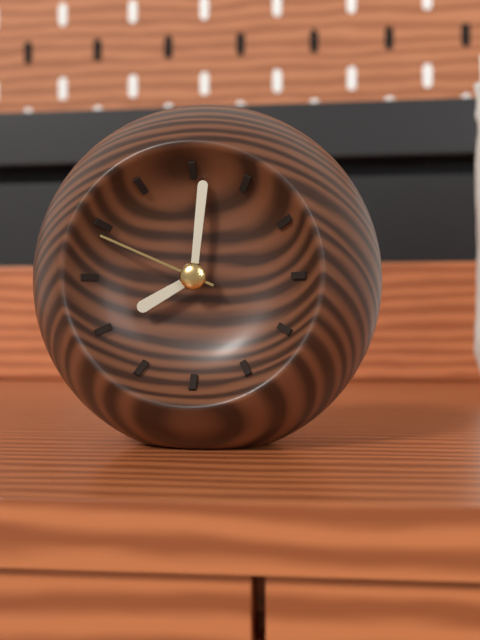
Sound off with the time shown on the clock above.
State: 8:01:49
